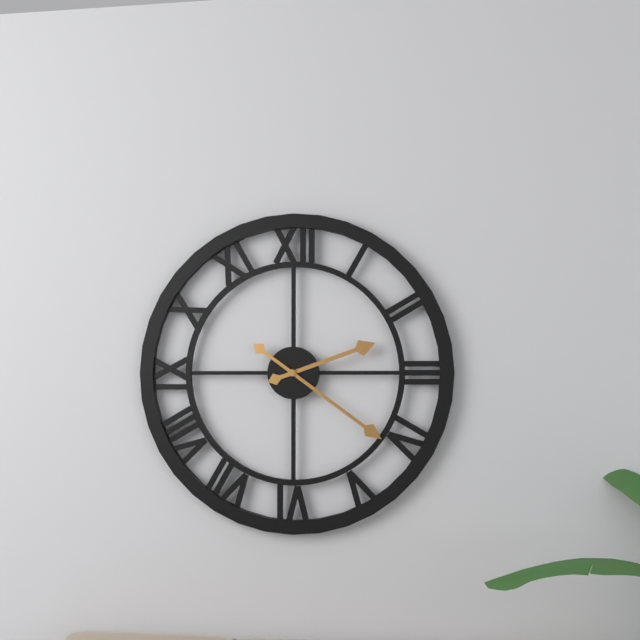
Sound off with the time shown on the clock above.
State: 2:21
